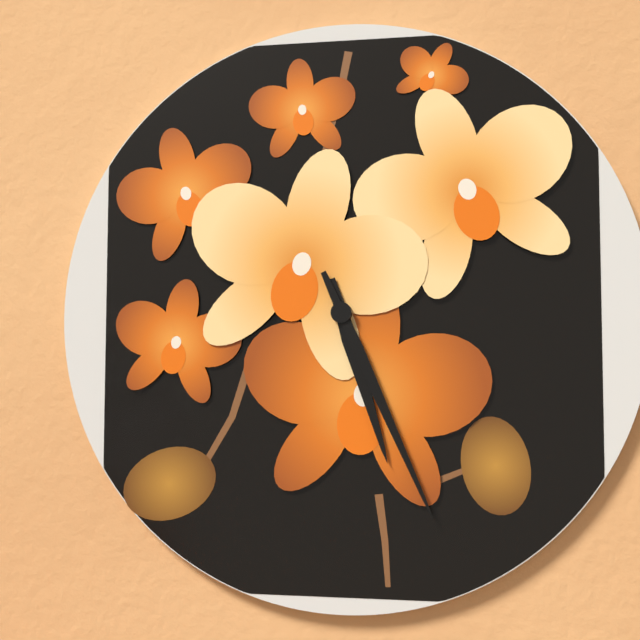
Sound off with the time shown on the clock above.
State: 5:26
